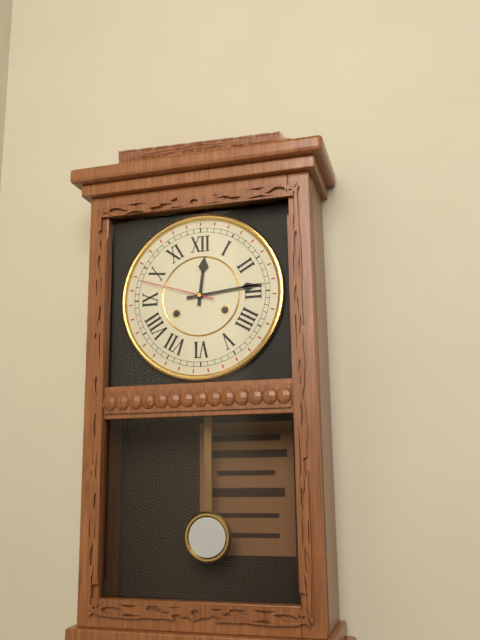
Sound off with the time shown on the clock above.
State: 12:14:48
